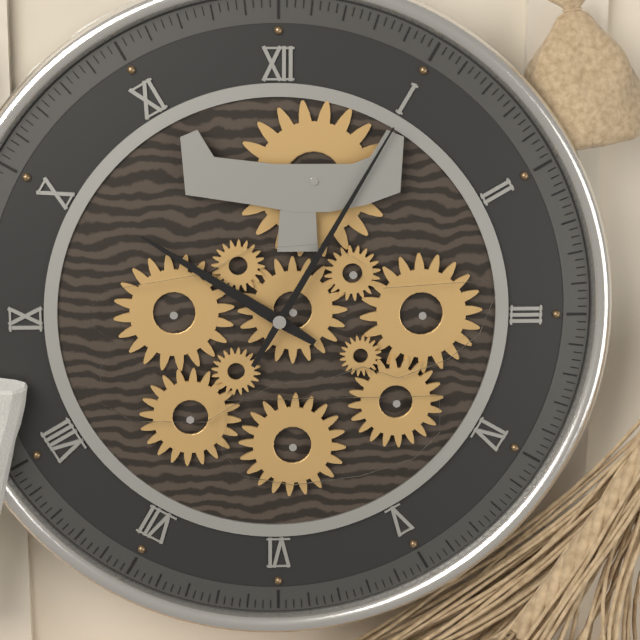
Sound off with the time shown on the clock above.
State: 10:05
